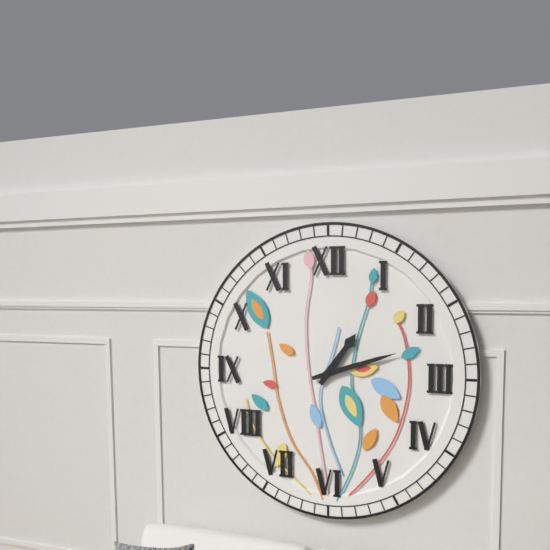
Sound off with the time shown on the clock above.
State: 1:12
